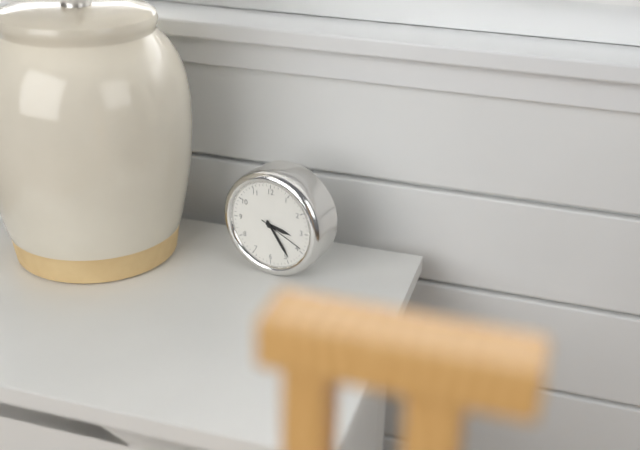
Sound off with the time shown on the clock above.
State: 3:24
